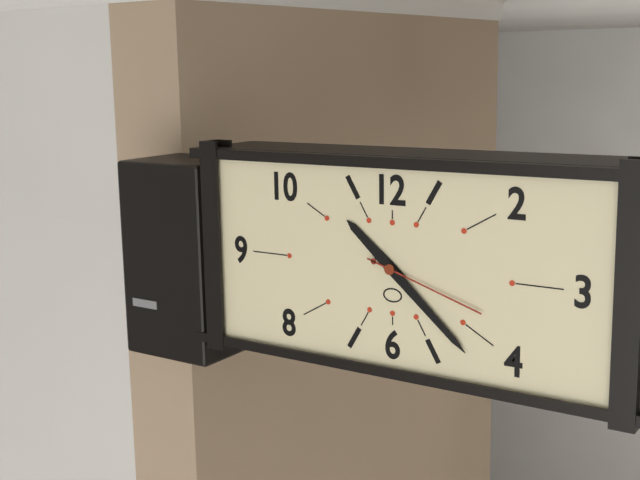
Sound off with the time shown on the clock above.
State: 10:22:18
